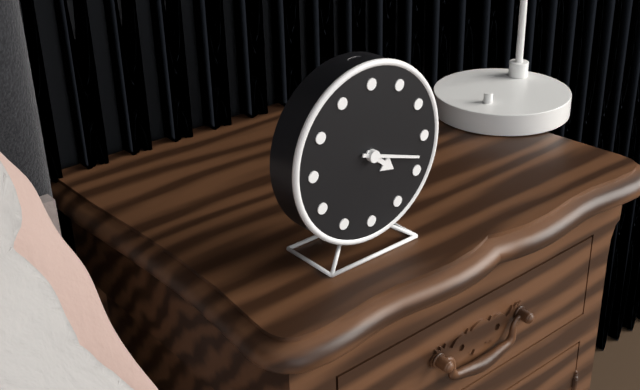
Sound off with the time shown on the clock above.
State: 4:18
